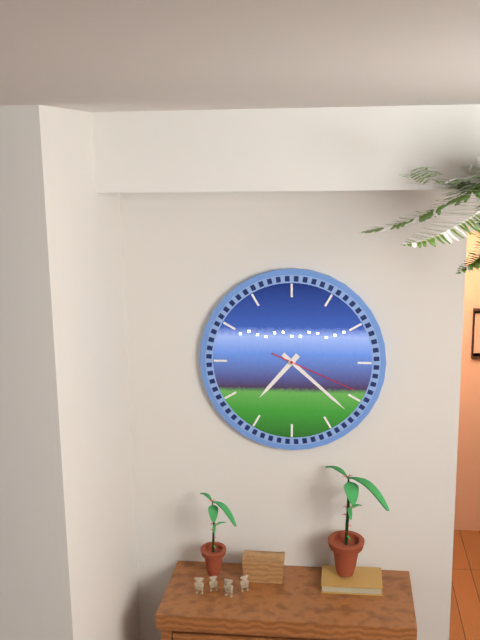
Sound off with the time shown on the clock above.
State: 7:22:19
